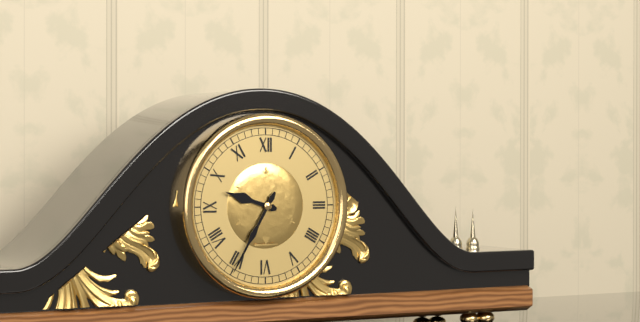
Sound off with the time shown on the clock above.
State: 9:35
